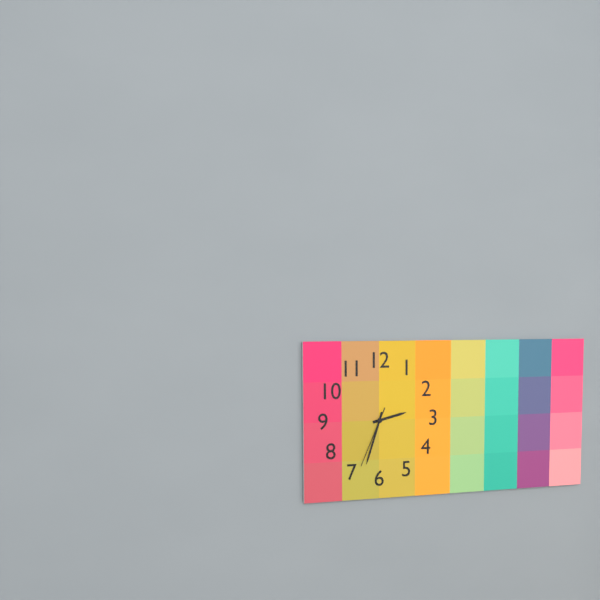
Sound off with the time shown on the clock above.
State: 2:33:34
